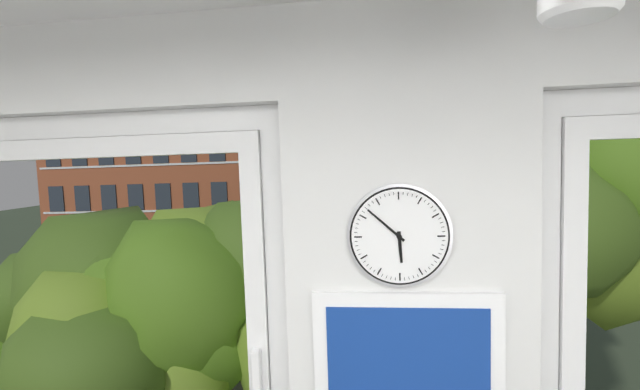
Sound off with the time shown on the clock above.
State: 5:52
